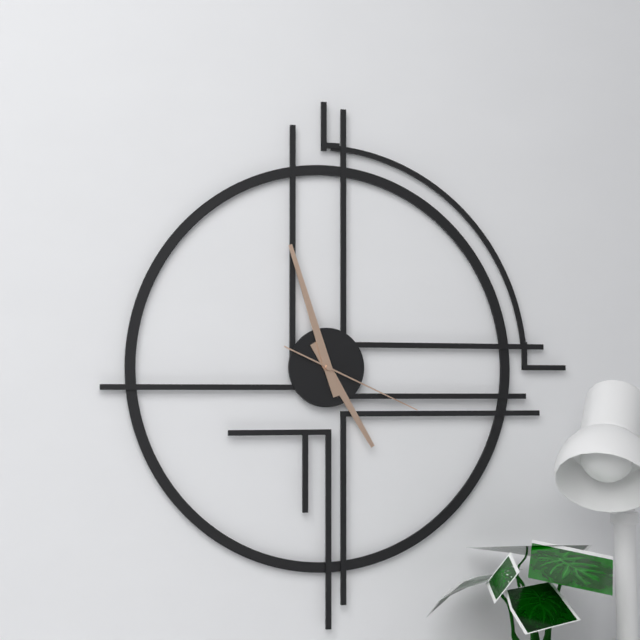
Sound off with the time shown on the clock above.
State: 4:57:19
